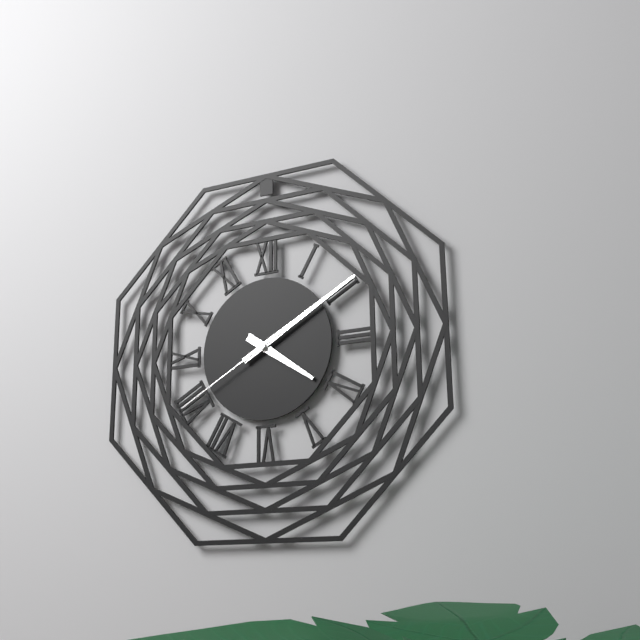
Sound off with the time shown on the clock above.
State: 4:10:40
